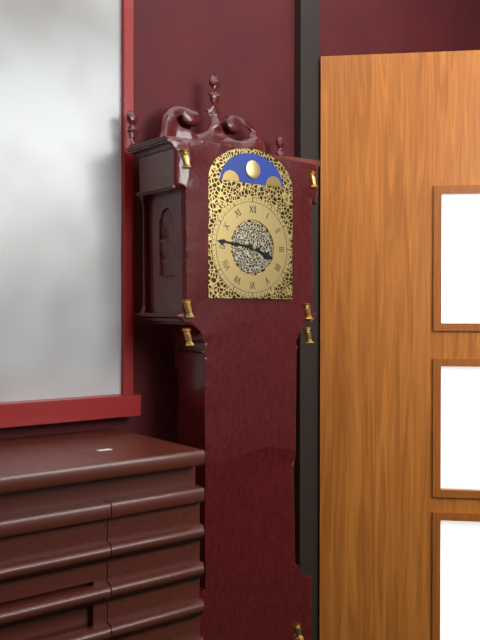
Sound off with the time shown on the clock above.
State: 3:46
